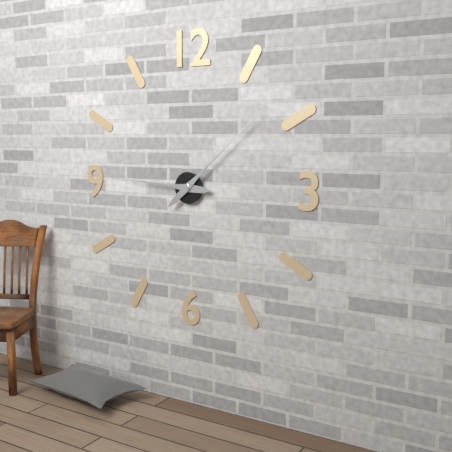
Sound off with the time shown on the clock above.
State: 9:08
